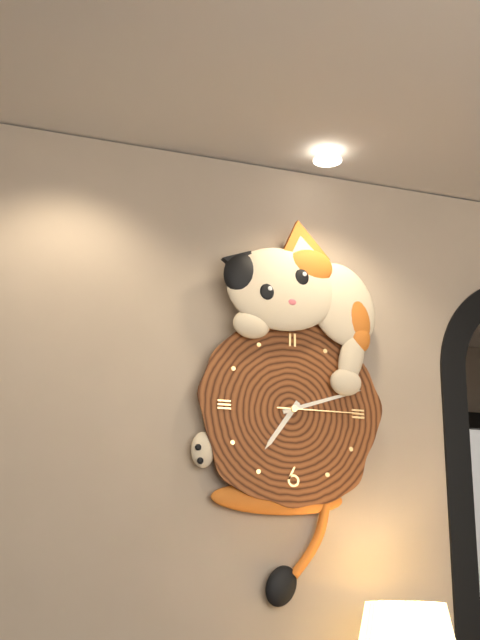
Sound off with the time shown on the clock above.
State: 7:12:15
